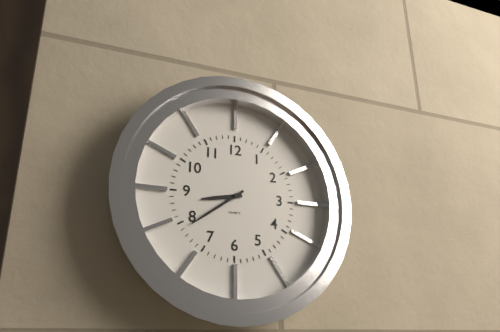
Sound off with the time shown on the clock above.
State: 8:39
